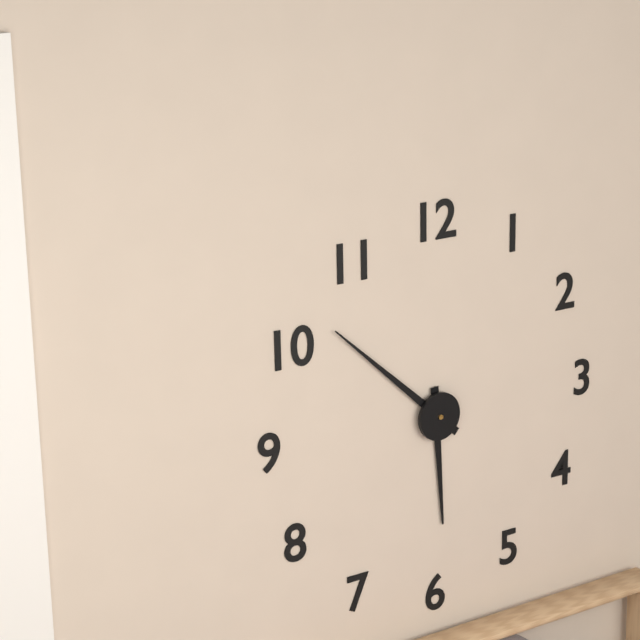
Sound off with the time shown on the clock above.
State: 5:52
